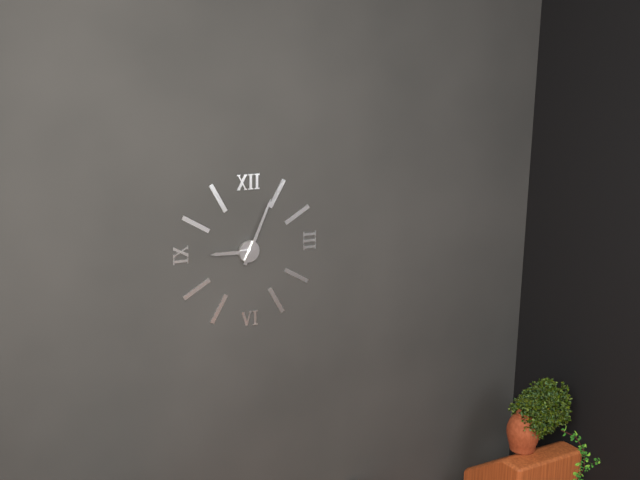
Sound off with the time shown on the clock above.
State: 9:04
